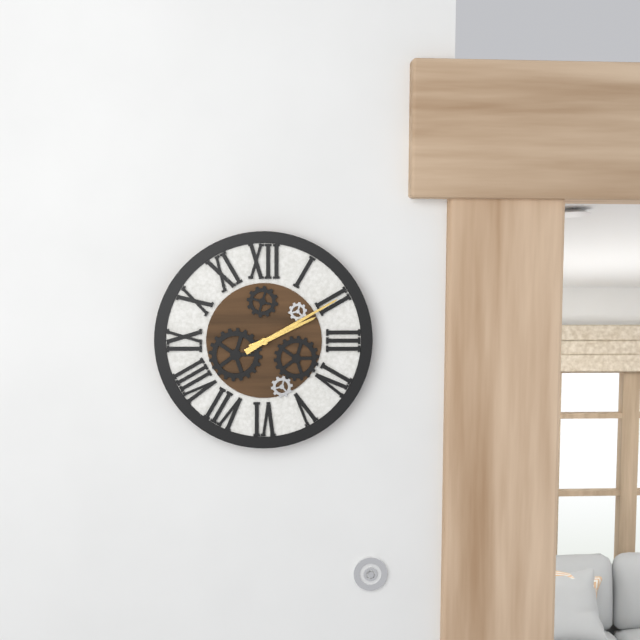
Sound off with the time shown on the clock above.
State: 2:10
